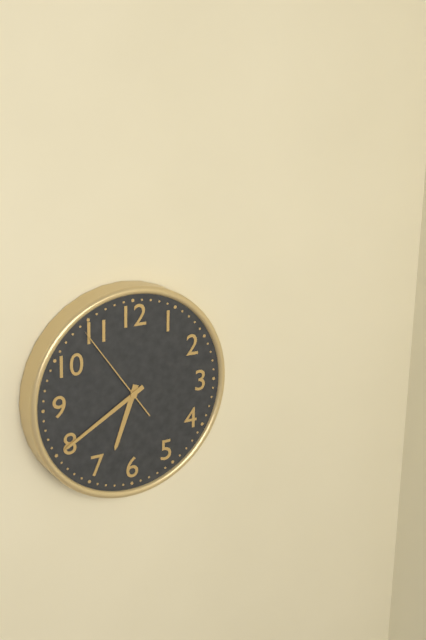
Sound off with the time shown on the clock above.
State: 6:40:54
